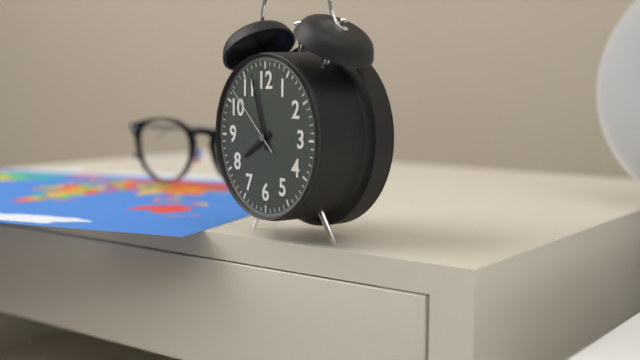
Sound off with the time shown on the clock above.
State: 7:57:52
